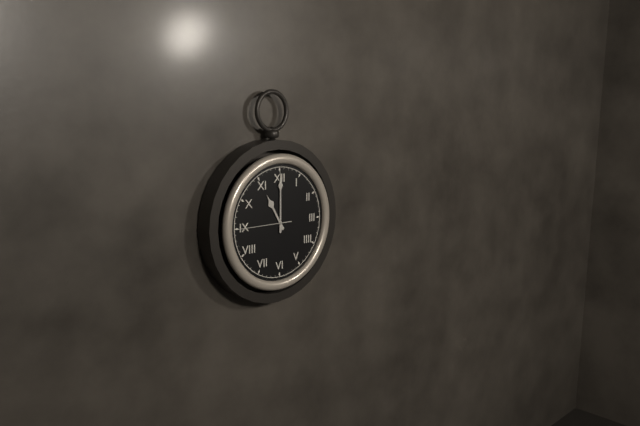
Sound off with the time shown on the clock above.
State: 11:00:45
